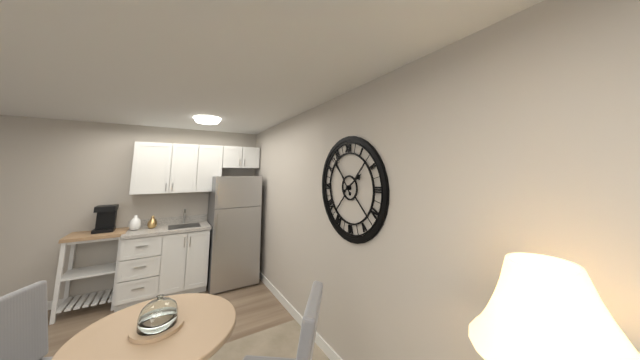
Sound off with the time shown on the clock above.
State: 1:54
